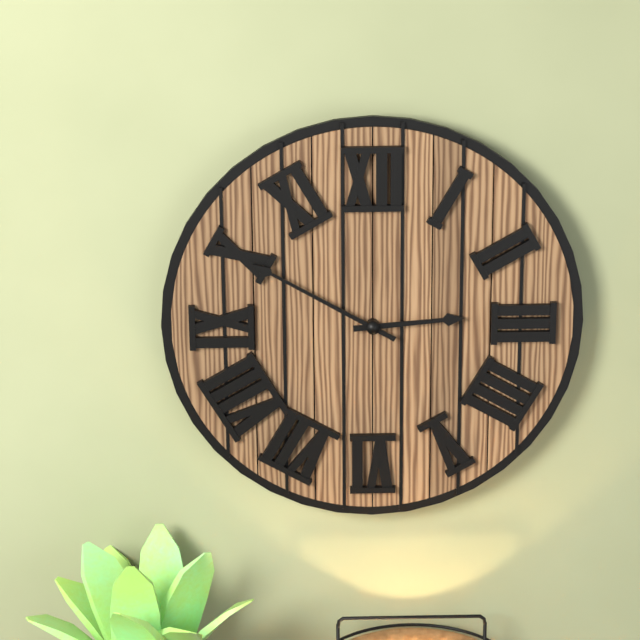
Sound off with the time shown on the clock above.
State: 2:50
